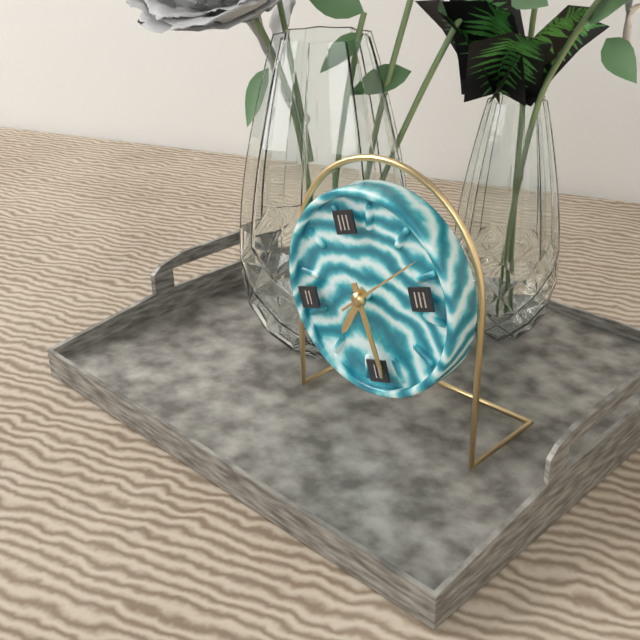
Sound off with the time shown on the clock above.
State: 7:29:11
